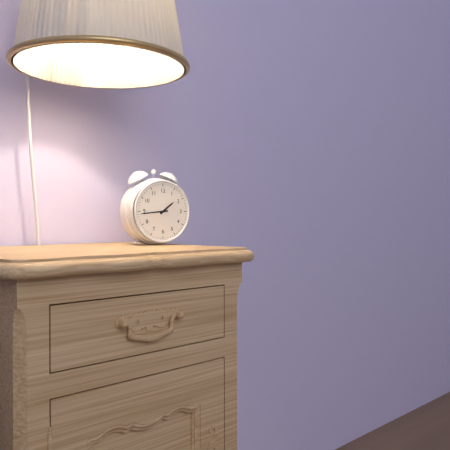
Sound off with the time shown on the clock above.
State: 1:44
